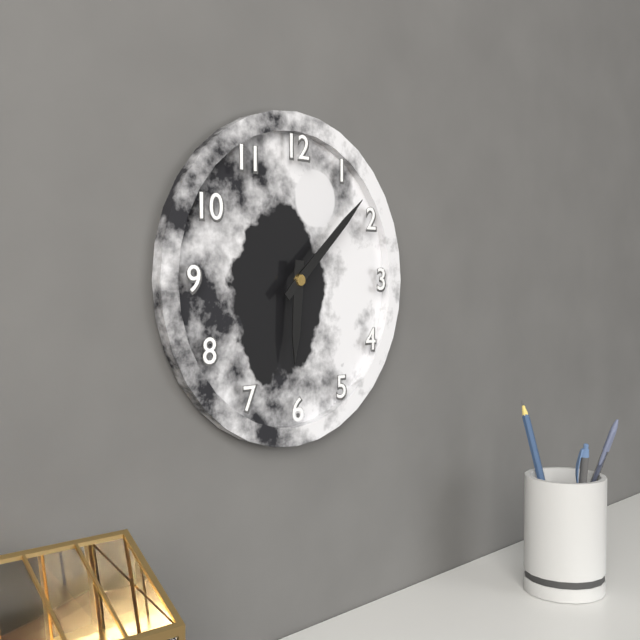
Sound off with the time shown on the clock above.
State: 6:08
